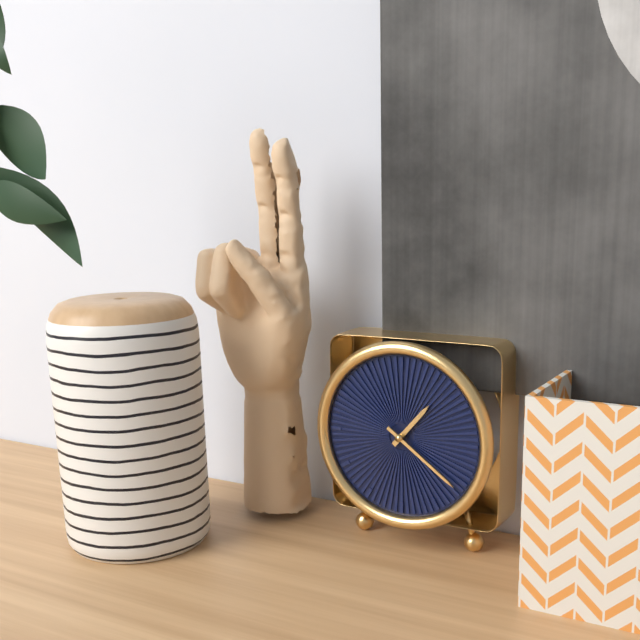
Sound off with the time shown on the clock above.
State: 1:21
